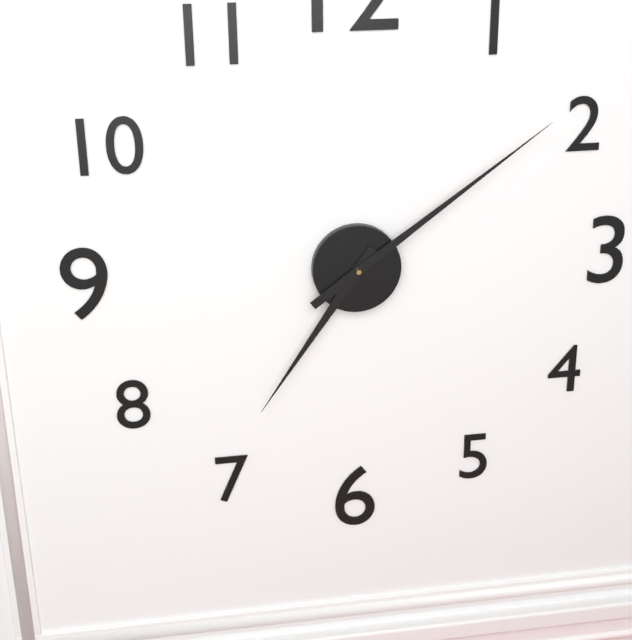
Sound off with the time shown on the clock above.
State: 7:09
